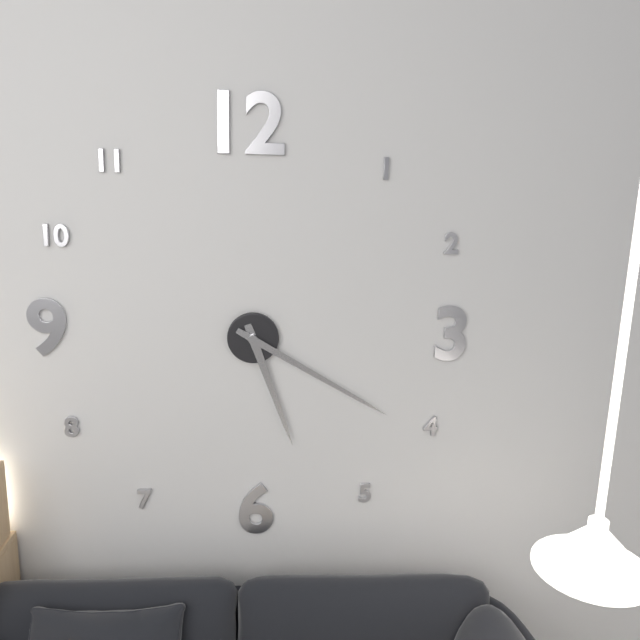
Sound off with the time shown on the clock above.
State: 5:20
